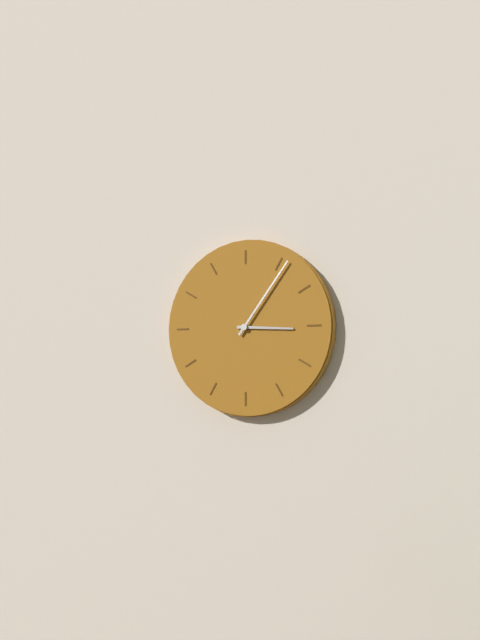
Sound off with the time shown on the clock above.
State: 3:06
